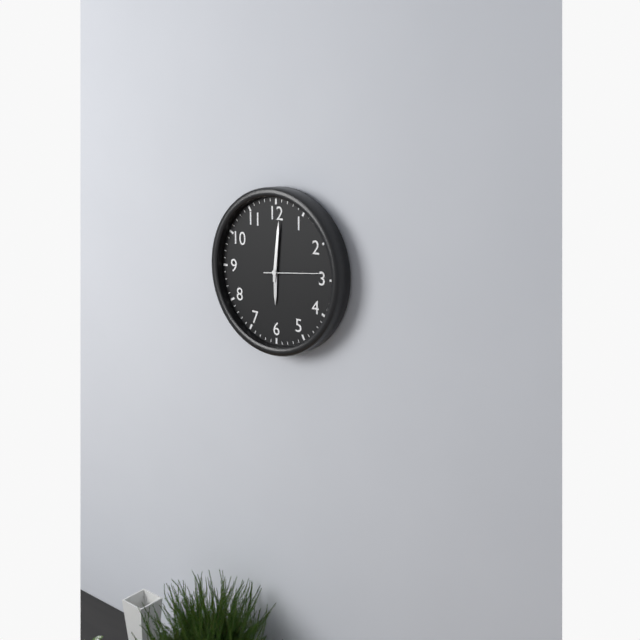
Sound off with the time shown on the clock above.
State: 6:01
